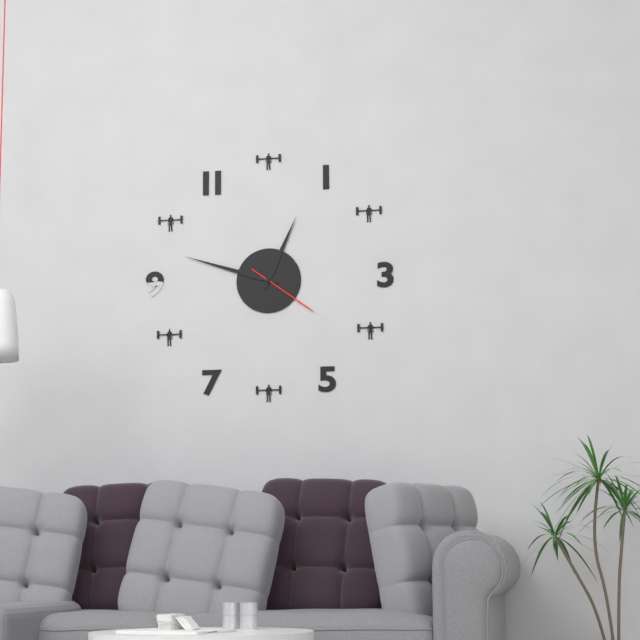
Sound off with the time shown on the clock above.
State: 12:48:21
